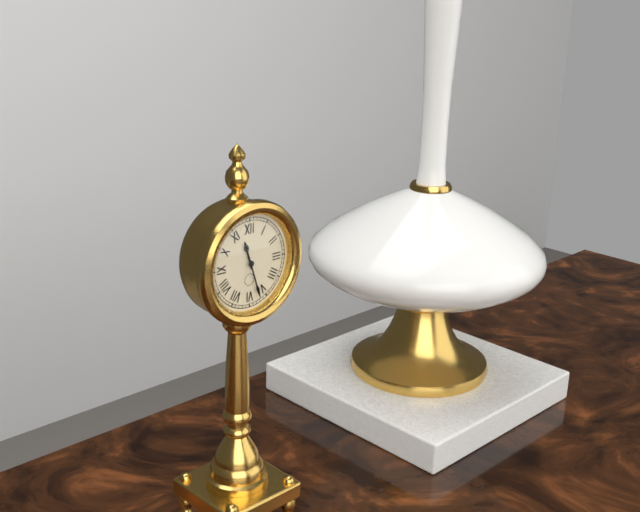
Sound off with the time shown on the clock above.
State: 11:27
